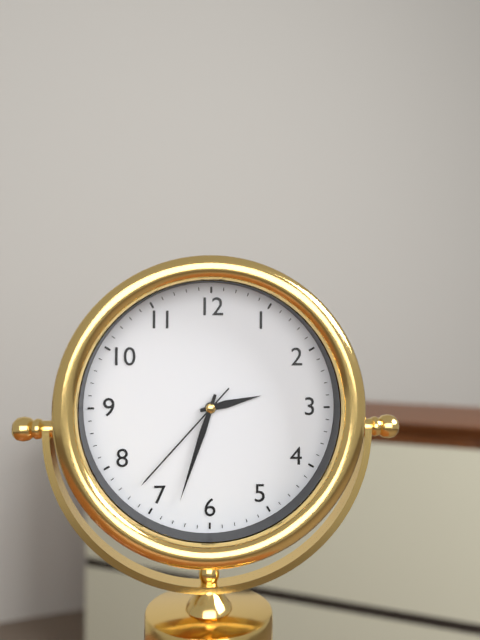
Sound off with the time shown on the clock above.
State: 2:33:37
